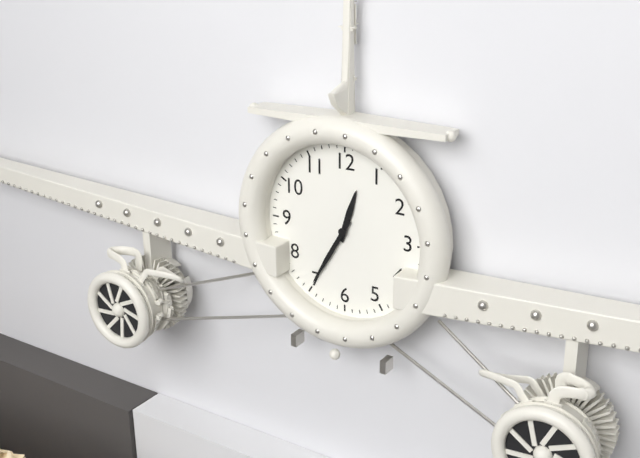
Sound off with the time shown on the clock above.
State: 12:35
